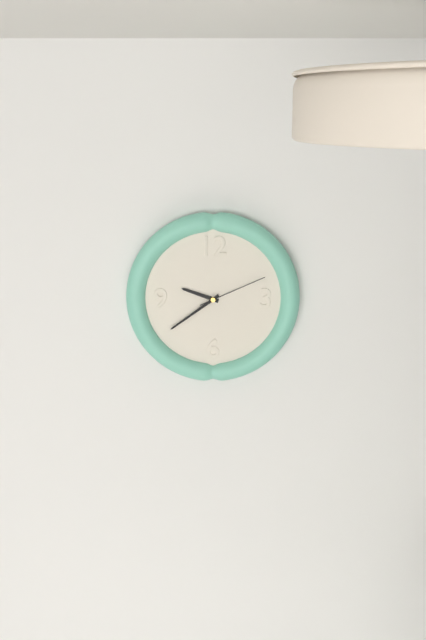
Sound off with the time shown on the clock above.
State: 9:39:11
